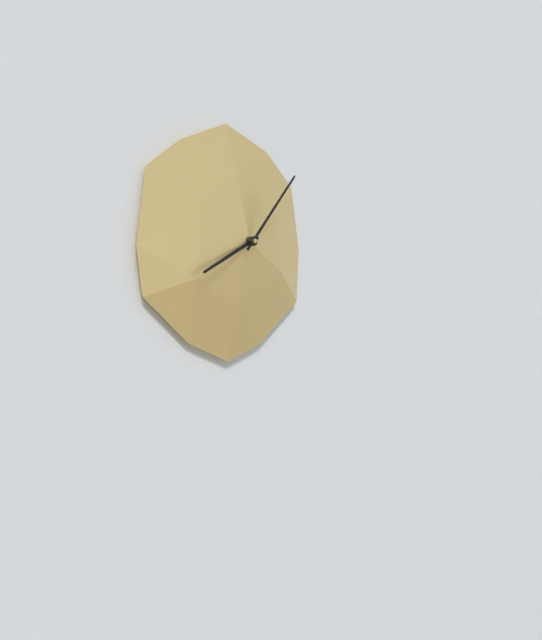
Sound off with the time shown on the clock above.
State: 8:07
